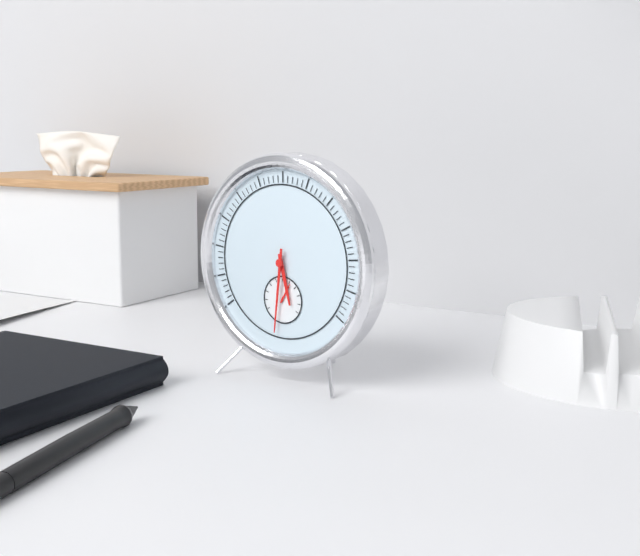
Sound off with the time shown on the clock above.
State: 5:31
